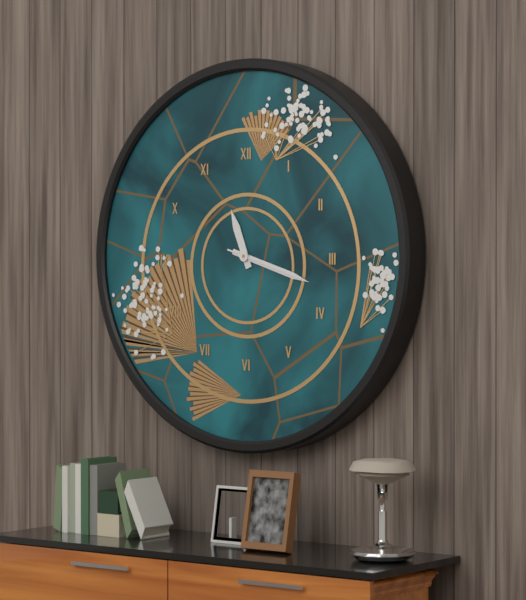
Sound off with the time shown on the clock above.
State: 11:18:18
